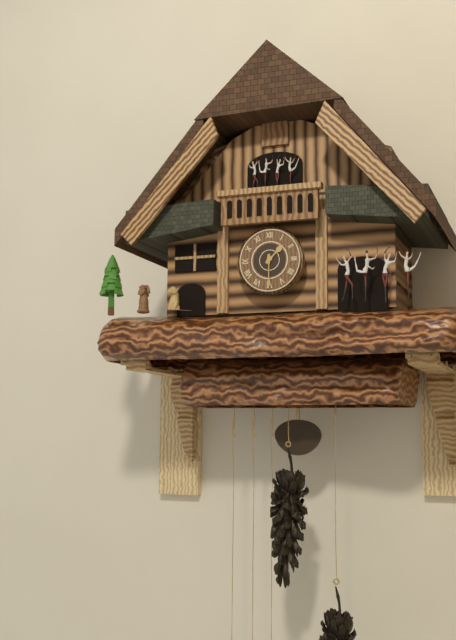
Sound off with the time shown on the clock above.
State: 1:30
